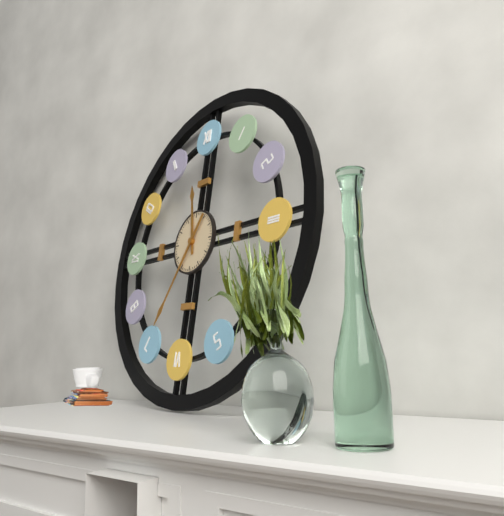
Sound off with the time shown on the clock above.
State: 11:35
